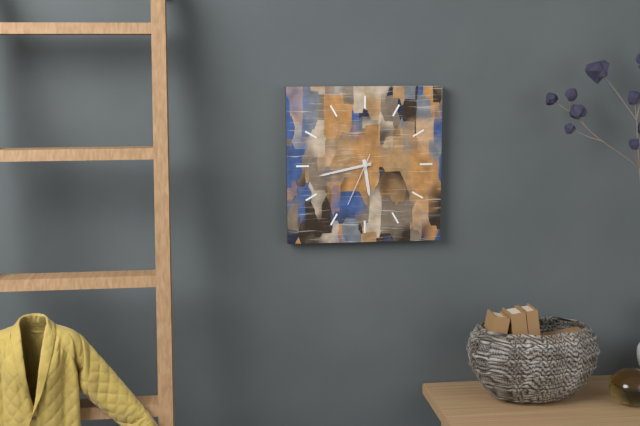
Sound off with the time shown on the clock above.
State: 5:43:34
